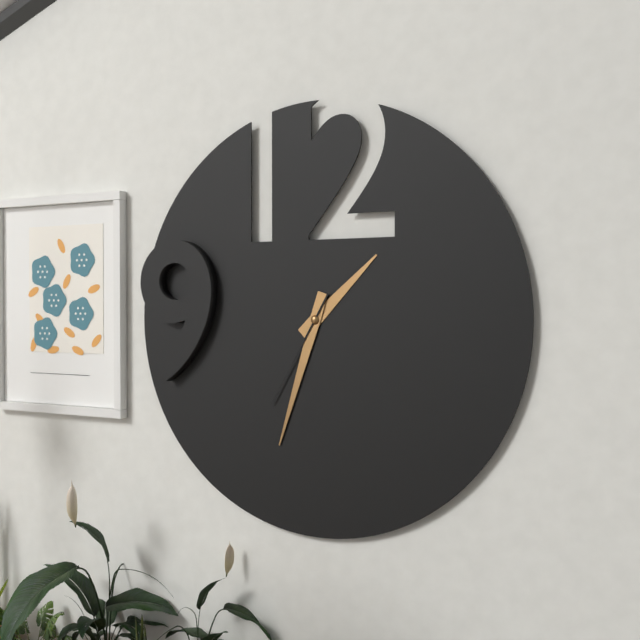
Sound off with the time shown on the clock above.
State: 1:33:35
